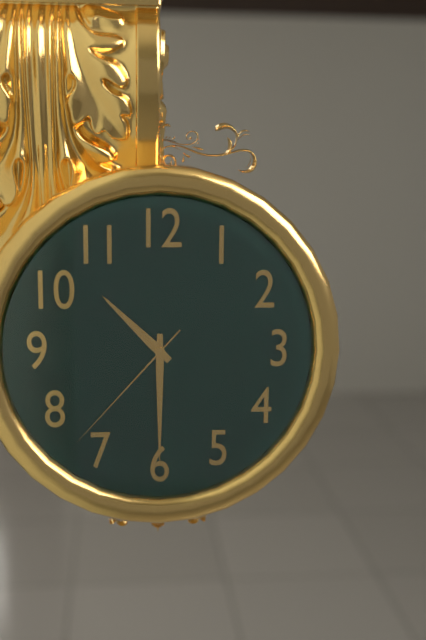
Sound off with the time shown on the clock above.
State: 10:30:37
